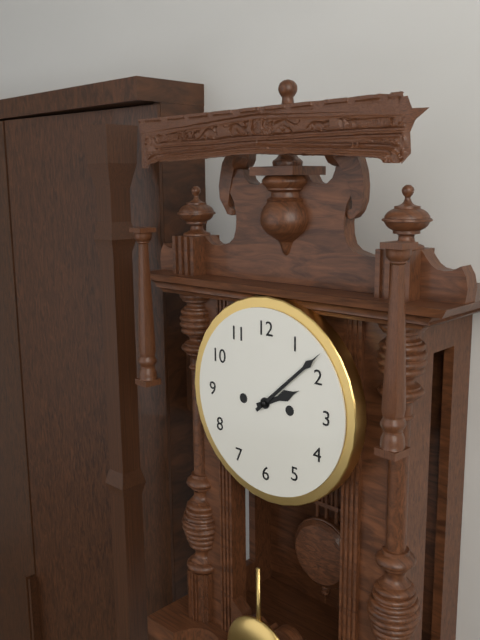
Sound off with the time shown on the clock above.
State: 2:08
